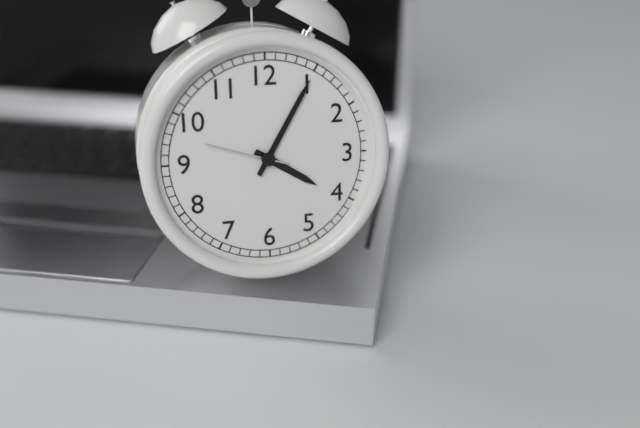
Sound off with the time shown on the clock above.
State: 4:05:48
